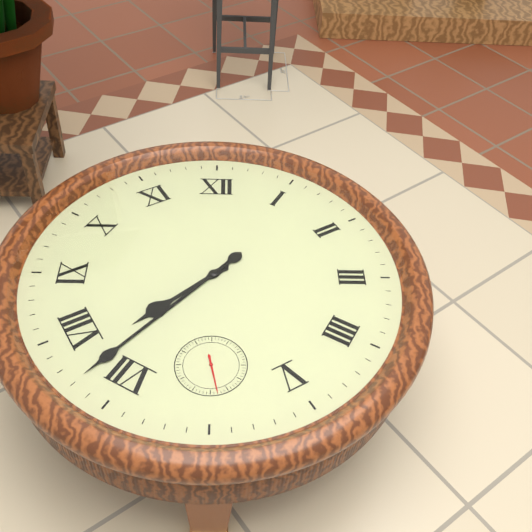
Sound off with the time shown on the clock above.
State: 7:37
